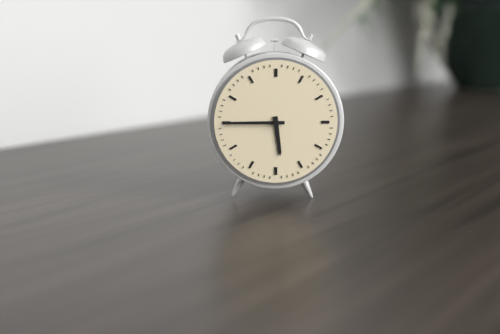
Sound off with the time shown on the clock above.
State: 5:45
